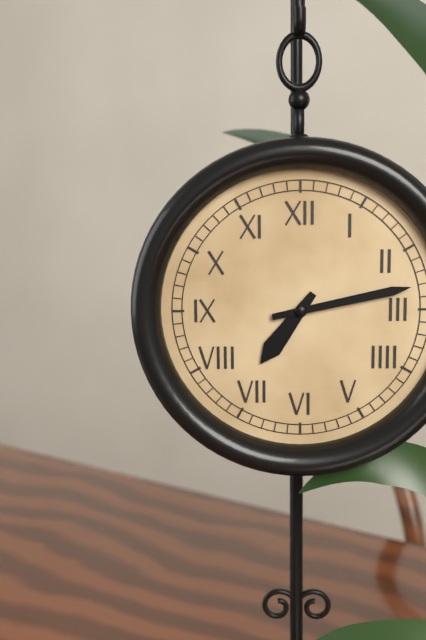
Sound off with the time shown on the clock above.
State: 7:13
